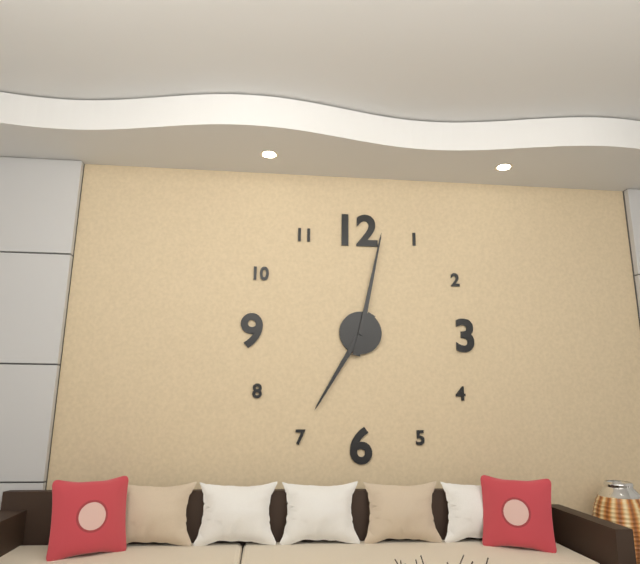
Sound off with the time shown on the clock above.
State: 7:02
